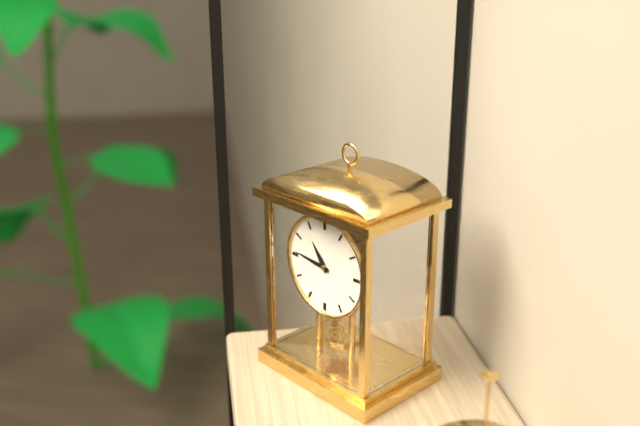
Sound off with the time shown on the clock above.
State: 10:46
